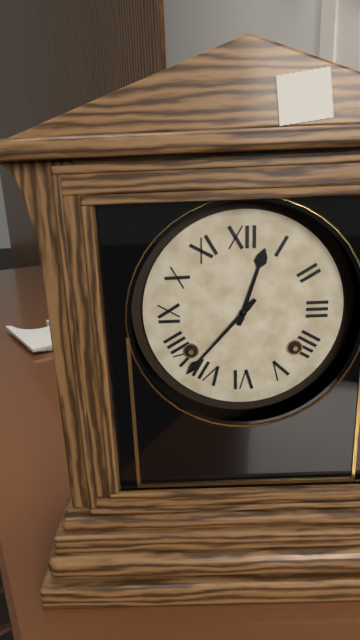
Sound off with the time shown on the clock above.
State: 12:37
